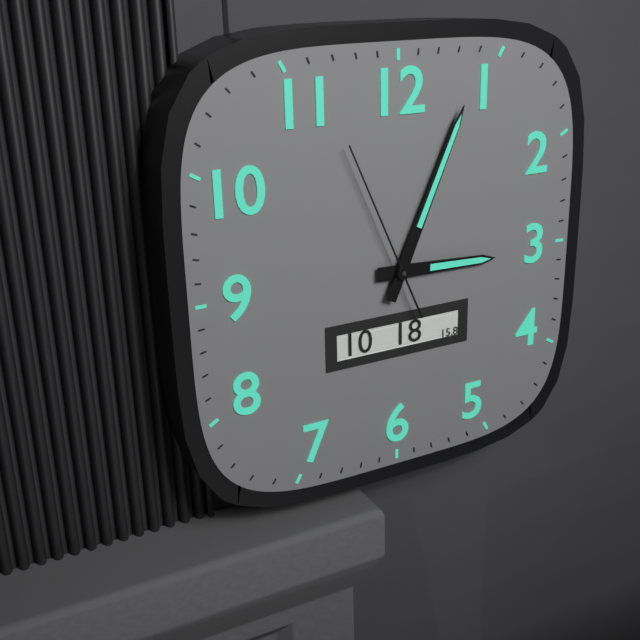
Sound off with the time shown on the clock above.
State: 3:04:56
